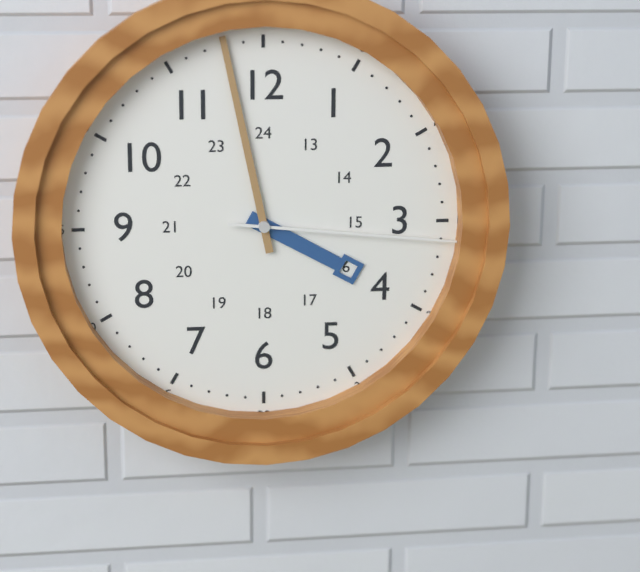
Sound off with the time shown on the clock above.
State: 3:58:16
